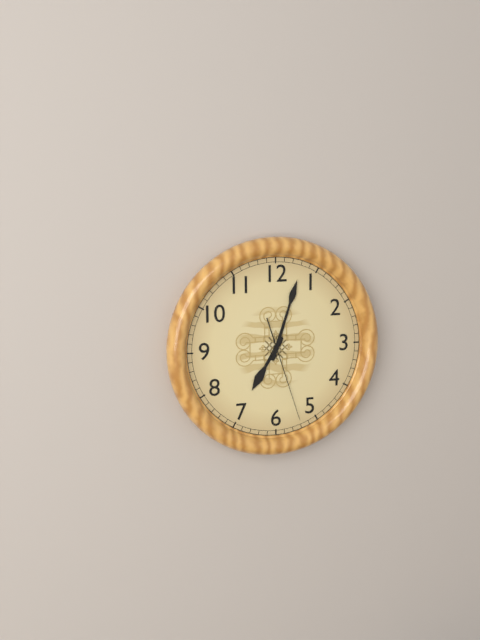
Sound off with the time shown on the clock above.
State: 7:03:27
